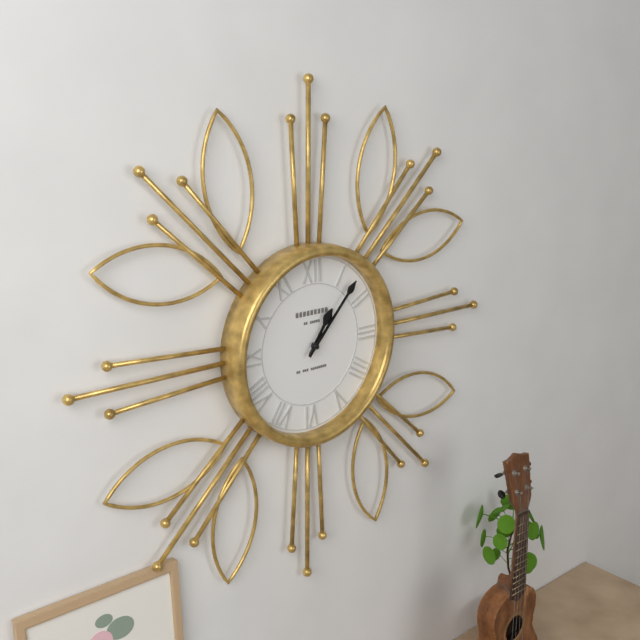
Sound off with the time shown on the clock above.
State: 1:07
